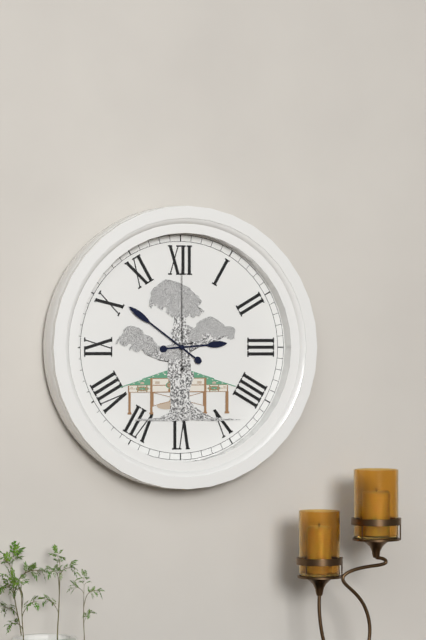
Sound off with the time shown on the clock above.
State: 2:51:00
